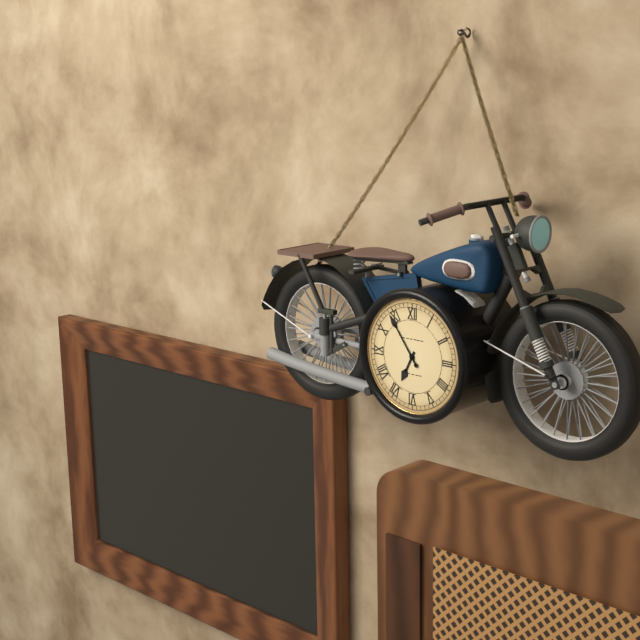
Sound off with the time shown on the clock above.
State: 6:54
